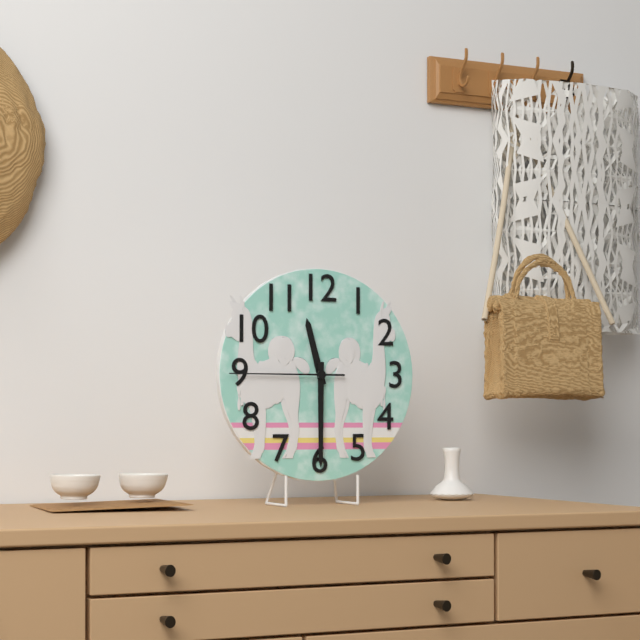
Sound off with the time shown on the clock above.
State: 11:30:45
